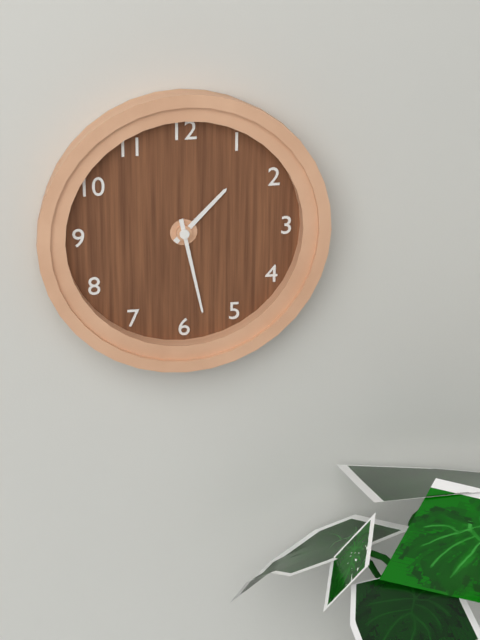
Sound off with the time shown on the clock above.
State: 1:28
